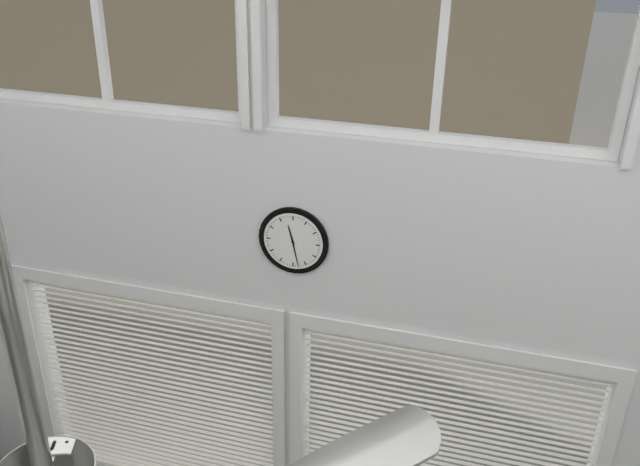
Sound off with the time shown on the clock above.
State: 11:28
